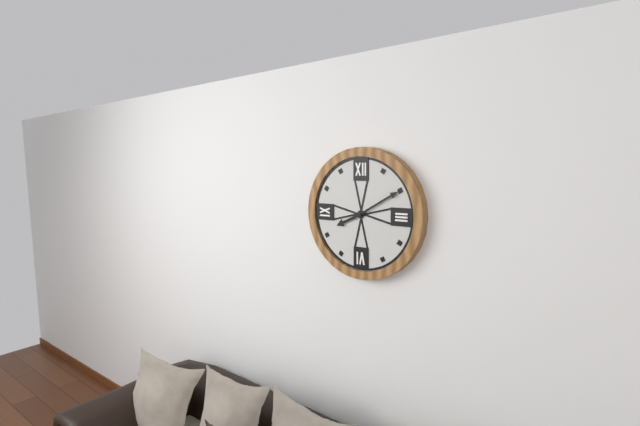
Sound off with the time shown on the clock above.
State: 8:10
